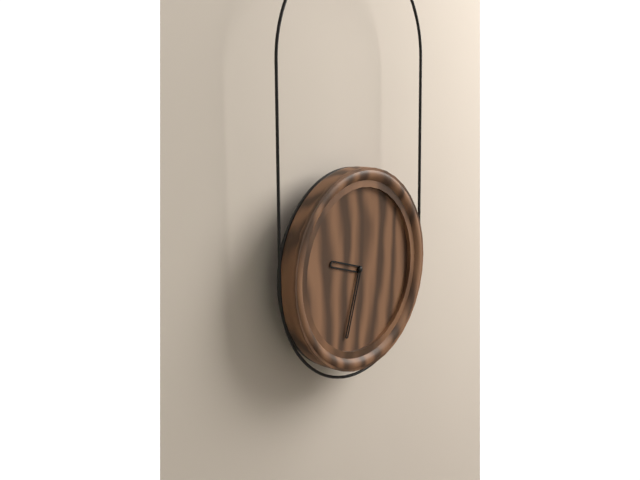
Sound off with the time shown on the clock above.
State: 9:33
